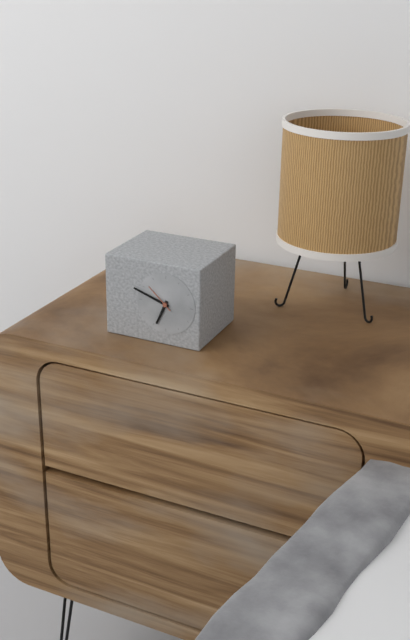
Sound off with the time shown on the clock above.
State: 6:48
